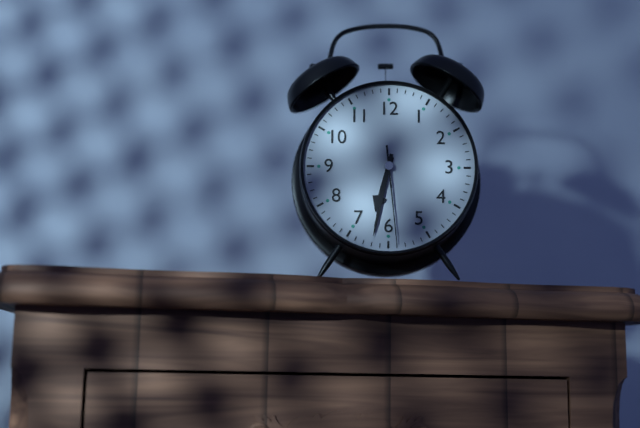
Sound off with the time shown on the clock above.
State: 6:32:29
